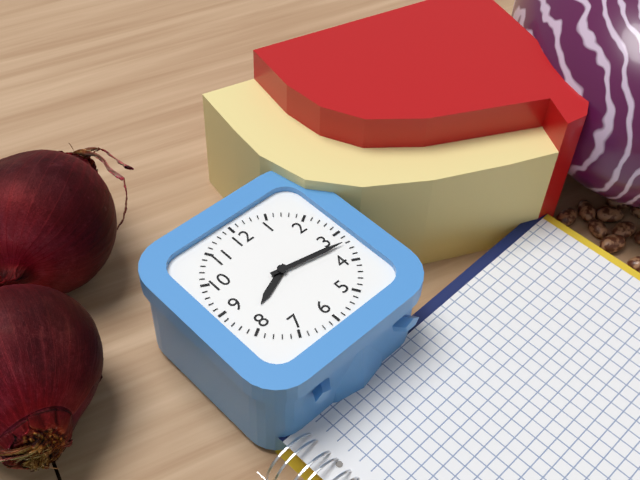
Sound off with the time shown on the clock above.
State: 8:17
